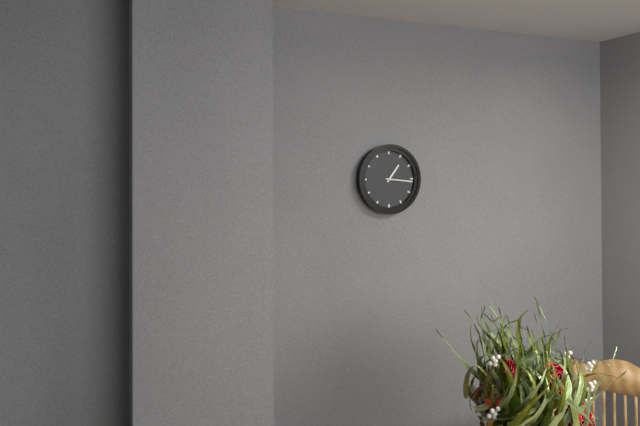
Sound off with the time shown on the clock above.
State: 1:16
